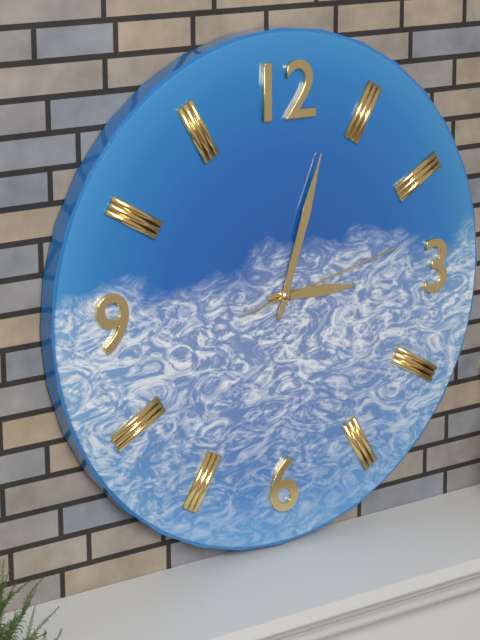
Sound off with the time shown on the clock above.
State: 3:03:13
